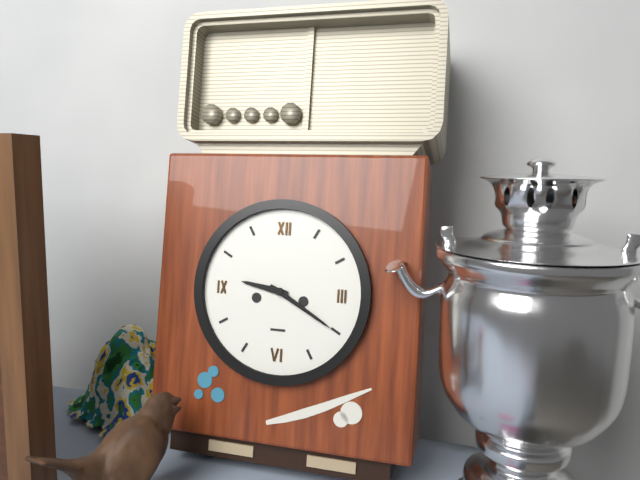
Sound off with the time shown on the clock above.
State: 9:20
